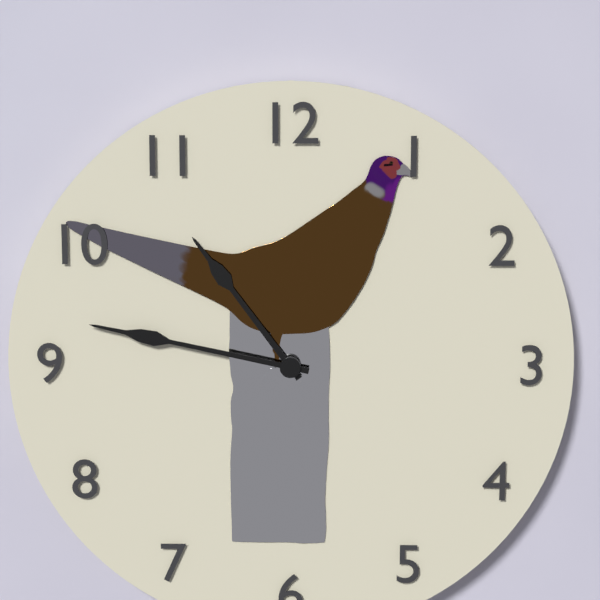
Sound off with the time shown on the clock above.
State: 10:47
